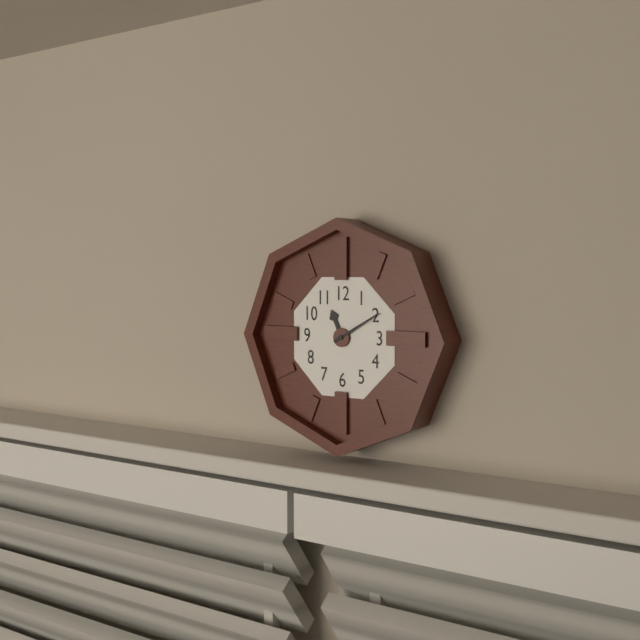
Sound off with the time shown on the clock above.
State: 11:10
